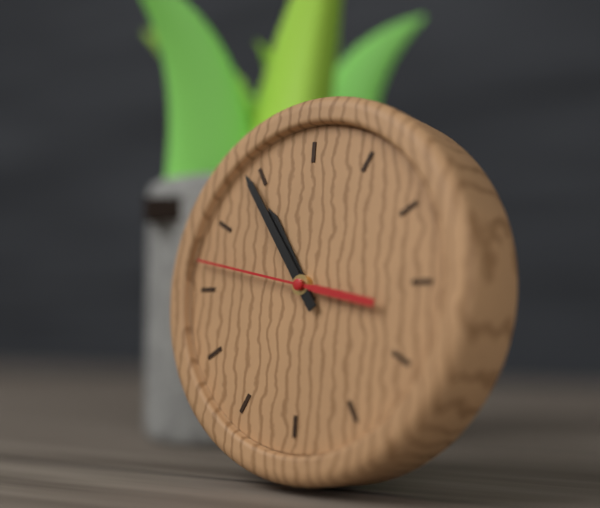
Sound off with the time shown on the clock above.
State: 10:54:47
